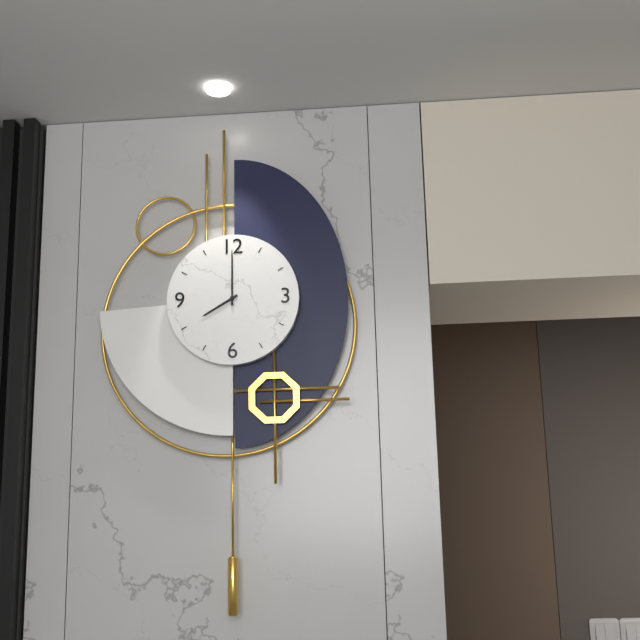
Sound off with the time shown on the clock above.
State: 8:00
